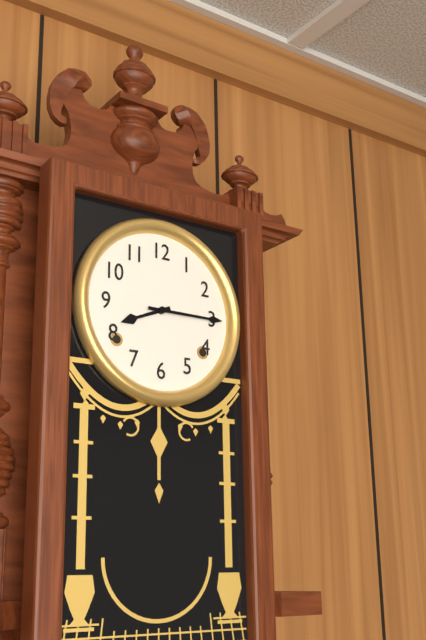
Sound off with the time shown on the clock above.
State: 8:15
